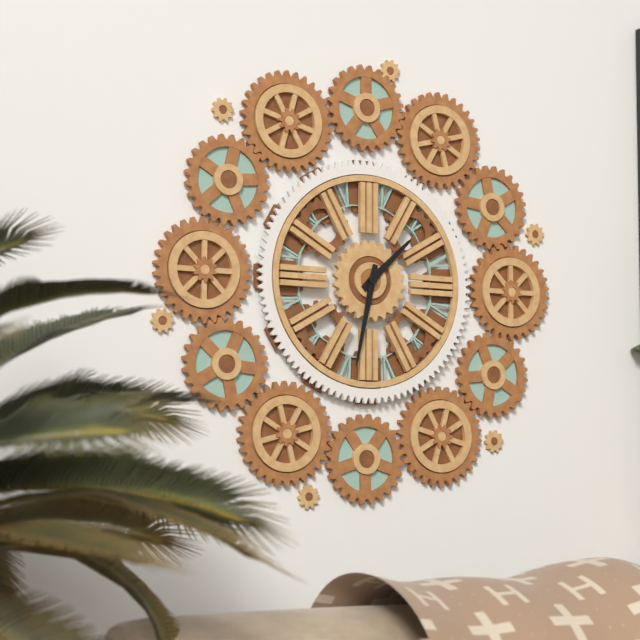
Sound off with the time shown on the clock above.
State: 1:32
